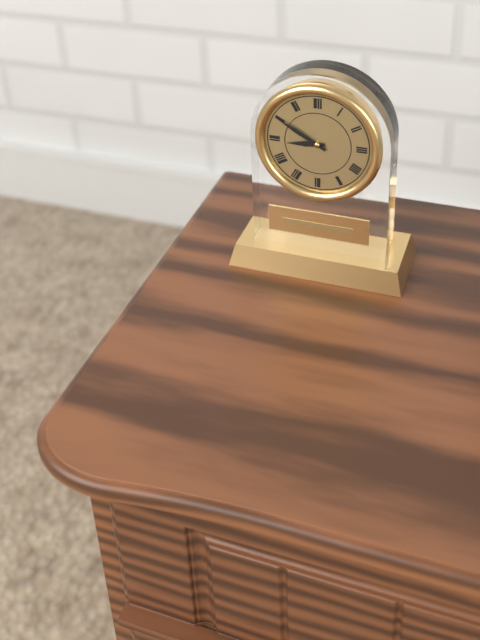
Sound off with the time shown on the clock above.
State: 8:50
